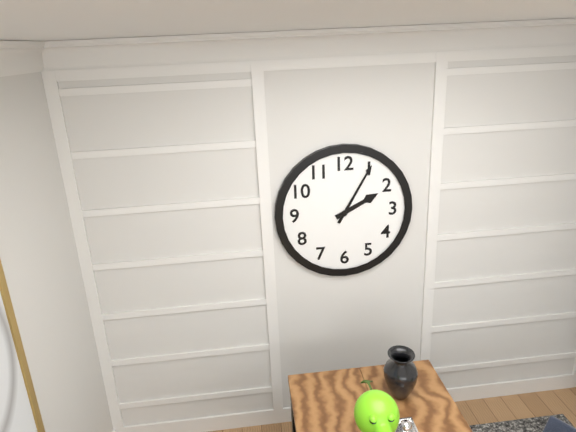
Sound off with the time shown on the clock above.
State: 2:05
